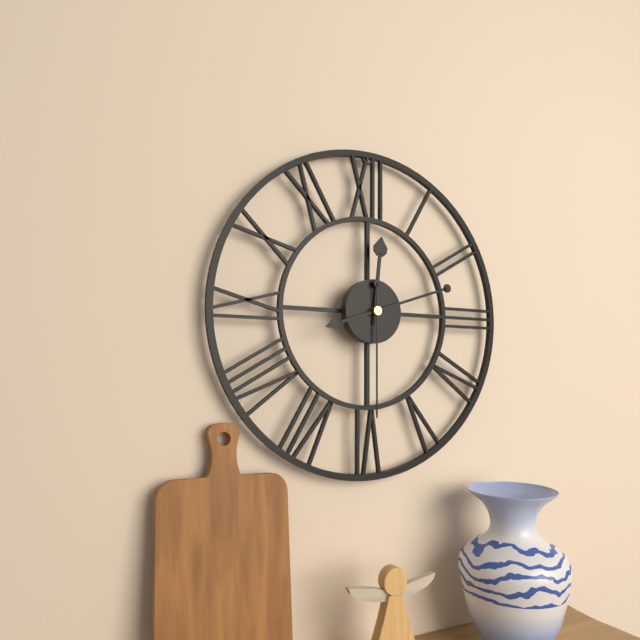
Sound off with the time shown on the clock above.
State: 12:12:30
